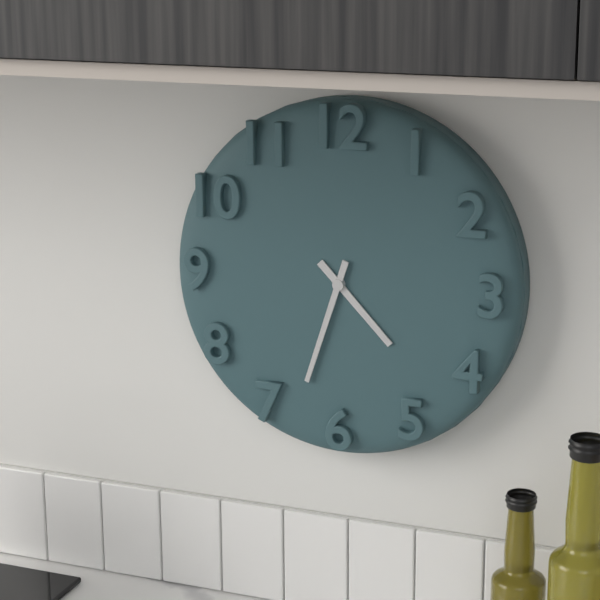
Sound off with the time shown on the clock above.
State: 4:33
